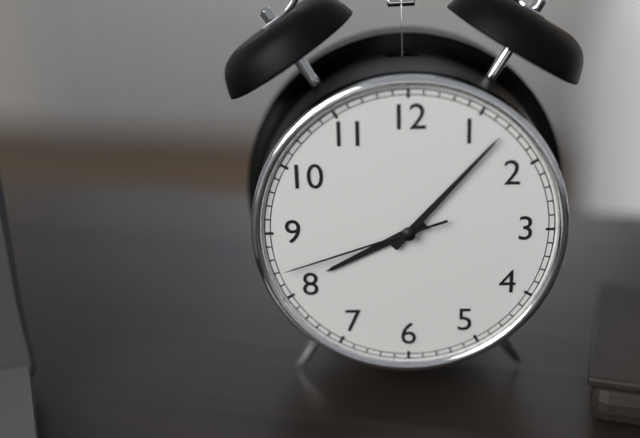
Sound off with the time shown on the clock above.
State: 8:07:42
